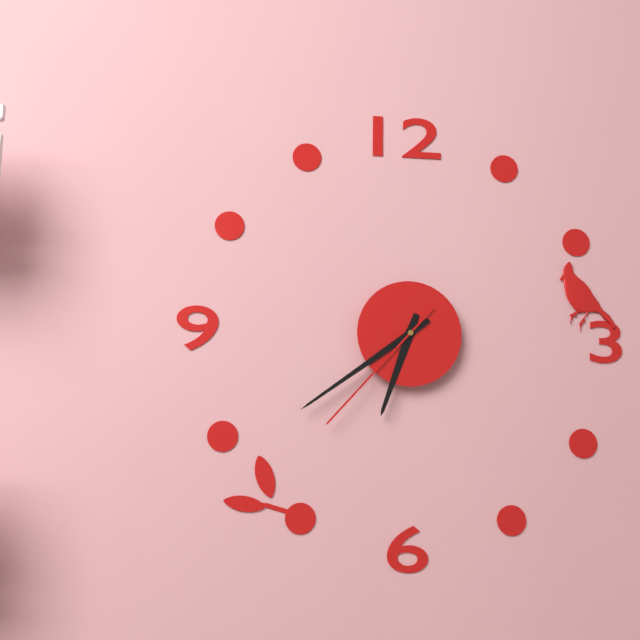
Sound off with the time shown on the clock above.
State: 6:39:37
